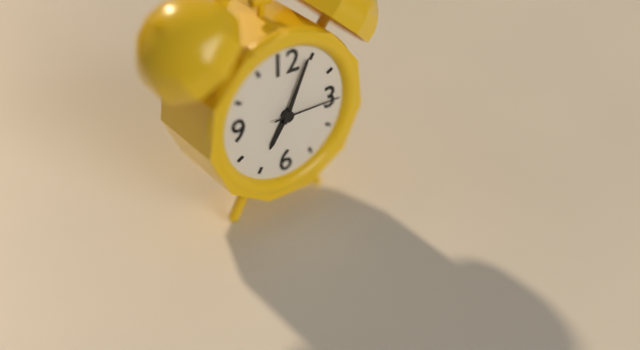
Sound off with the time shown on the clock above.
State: 7:04:15
